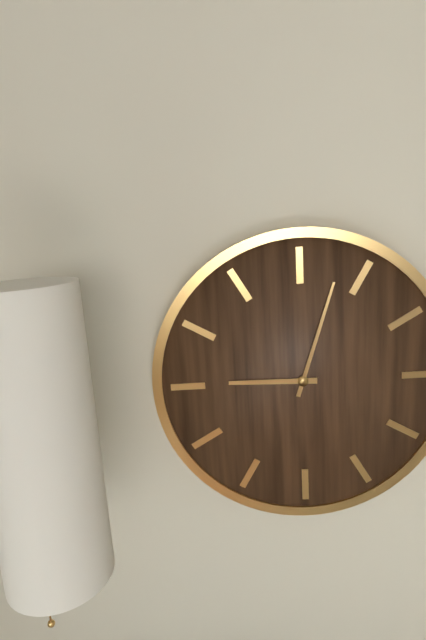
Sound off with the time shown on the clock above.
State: 9:03
